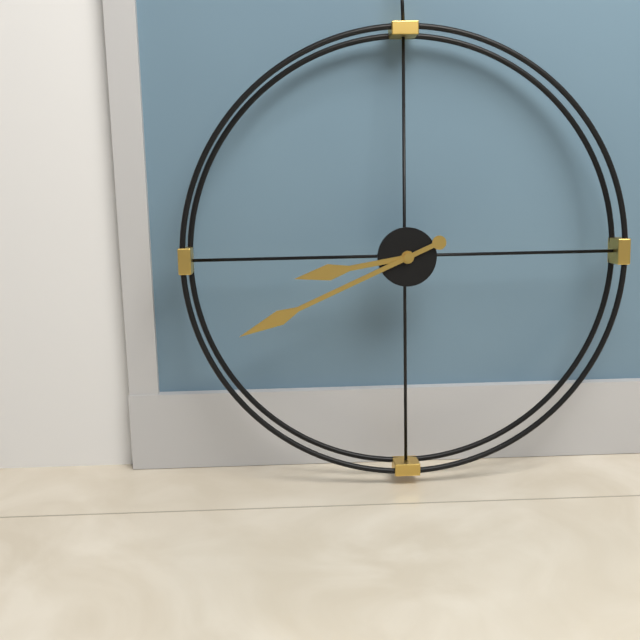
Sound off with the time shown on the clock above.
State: 8:41
